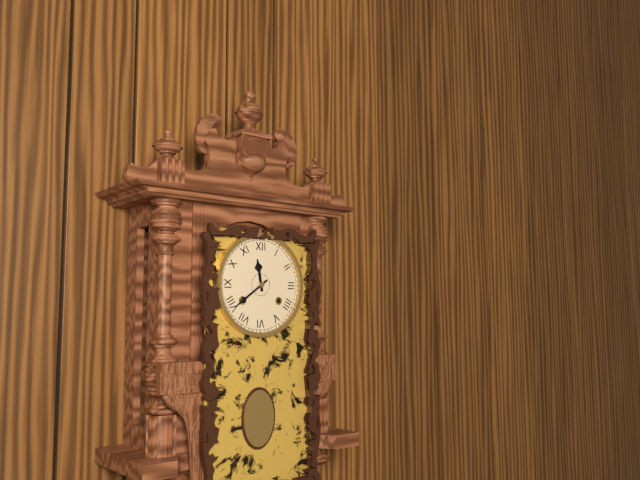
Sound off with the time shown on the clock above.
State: 11:39
